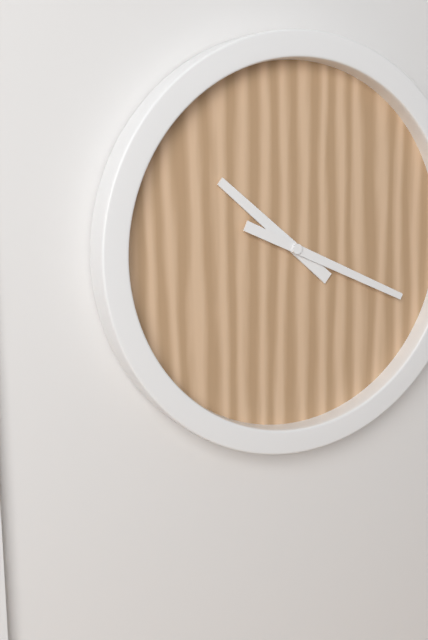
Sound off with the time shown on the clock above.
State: 10:19
